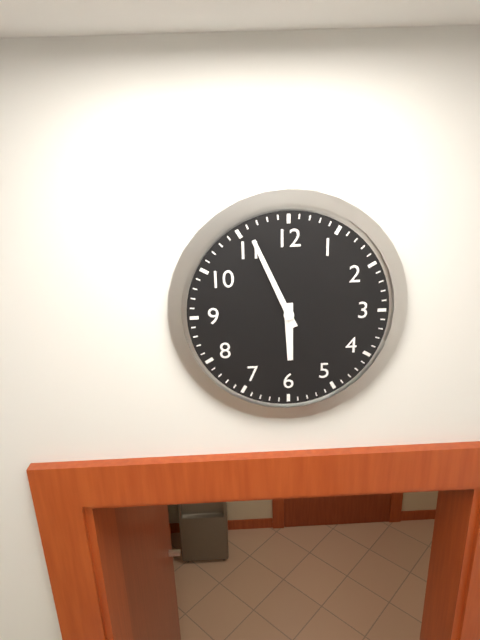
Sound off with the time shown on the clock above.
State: 5:56
